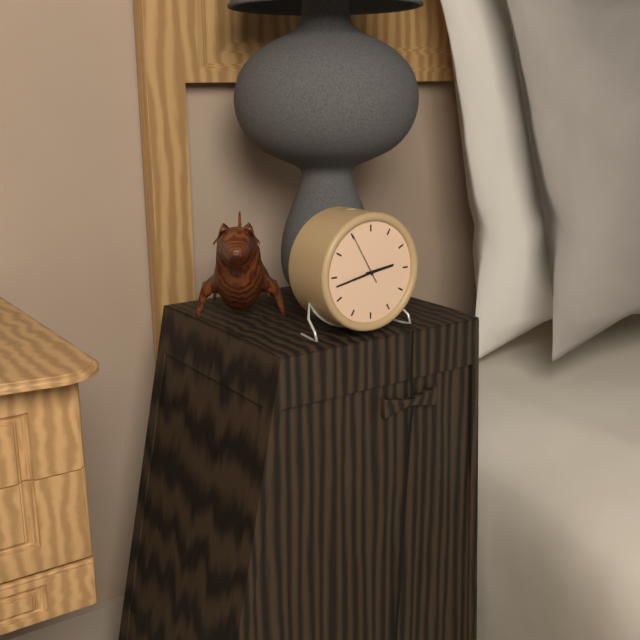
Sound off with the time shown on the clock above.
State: 2:43:55
